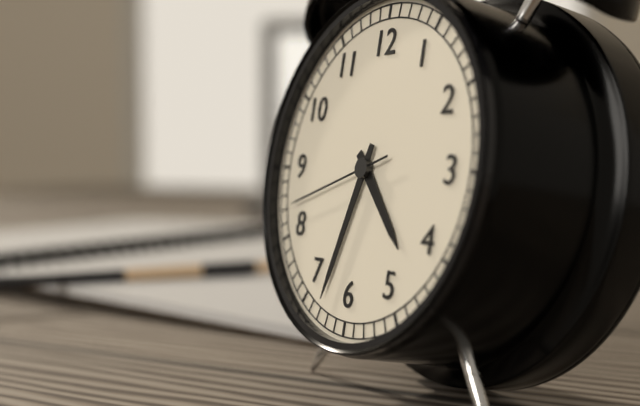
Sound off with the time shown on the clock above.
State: 4:33:42
